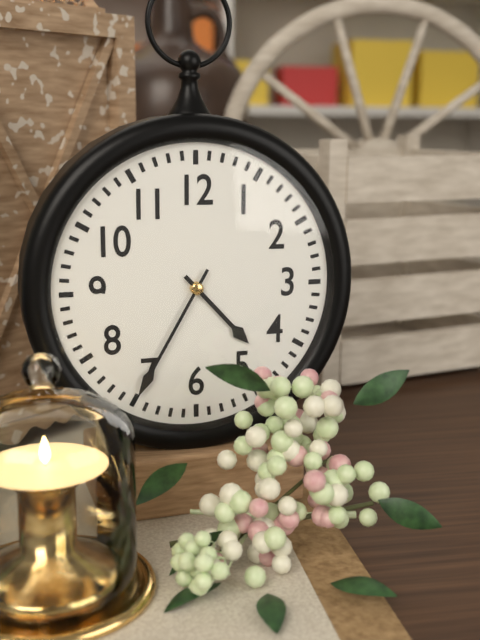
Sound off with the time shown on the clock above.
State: 4:35
